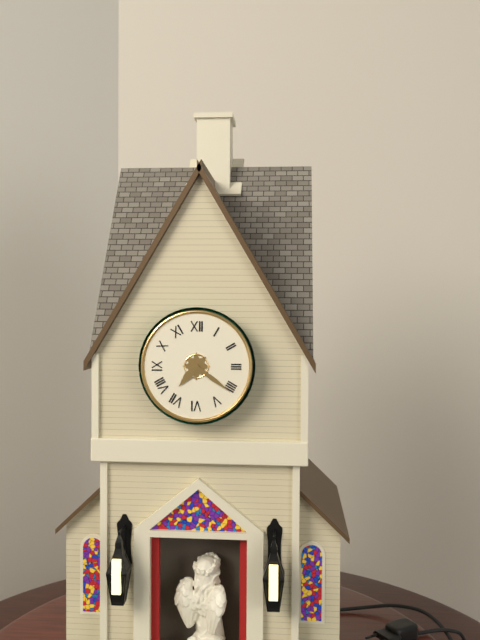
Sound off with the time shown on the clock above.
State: 7:21
